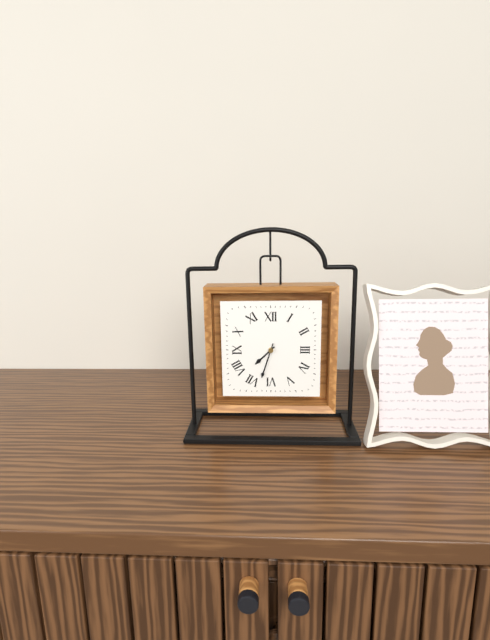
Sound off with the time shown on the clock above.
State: 7:33
